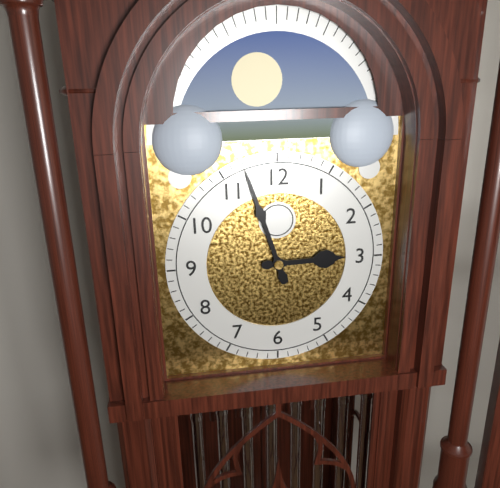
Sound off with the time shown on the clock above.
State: 2:57
